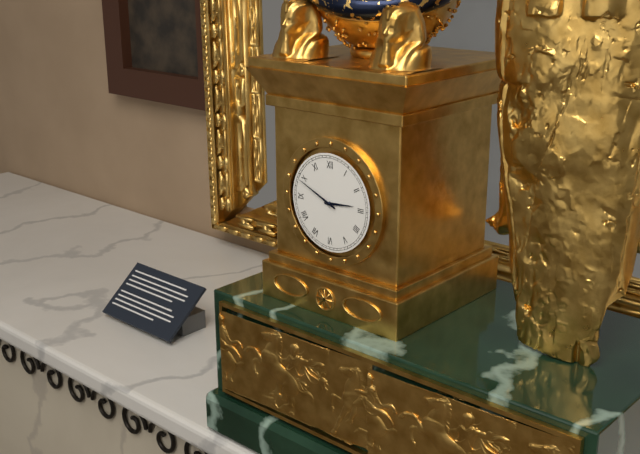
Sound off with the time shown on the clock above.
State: 2:49
